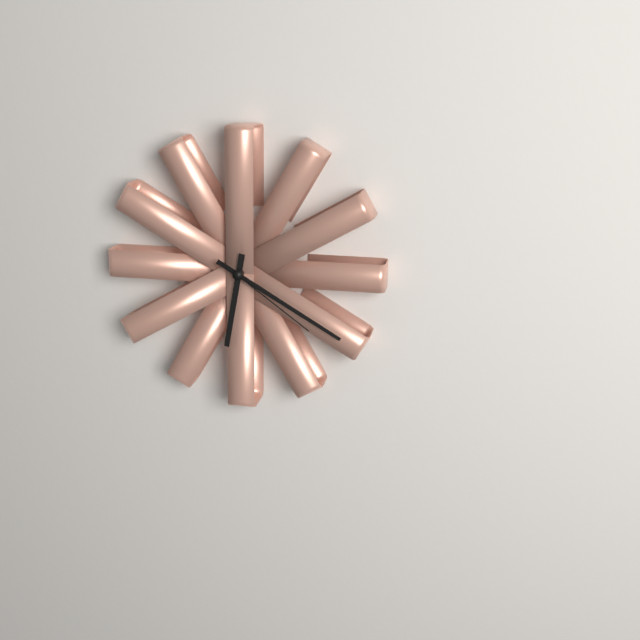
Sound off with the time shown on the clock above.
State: 6:20:21
